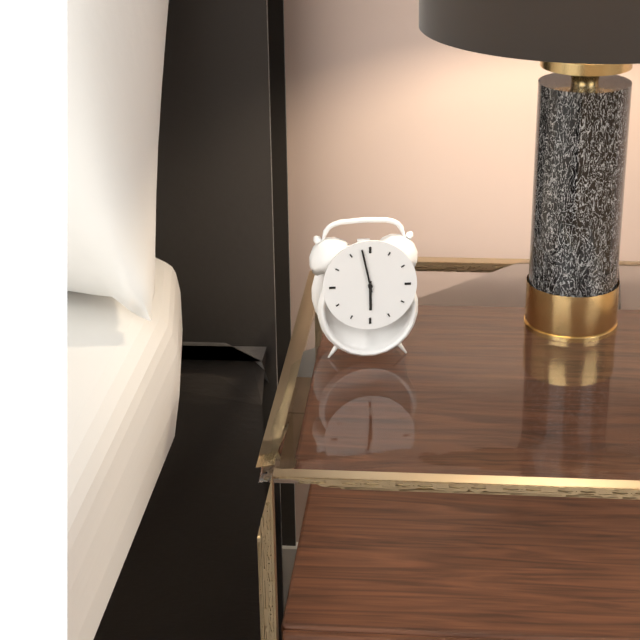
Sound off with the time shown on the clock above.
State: 5:58
